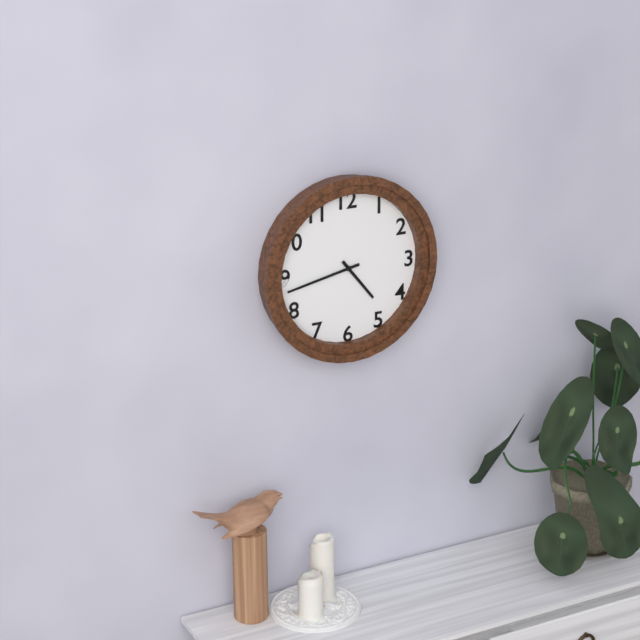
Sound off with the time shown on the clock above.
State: 4:43
